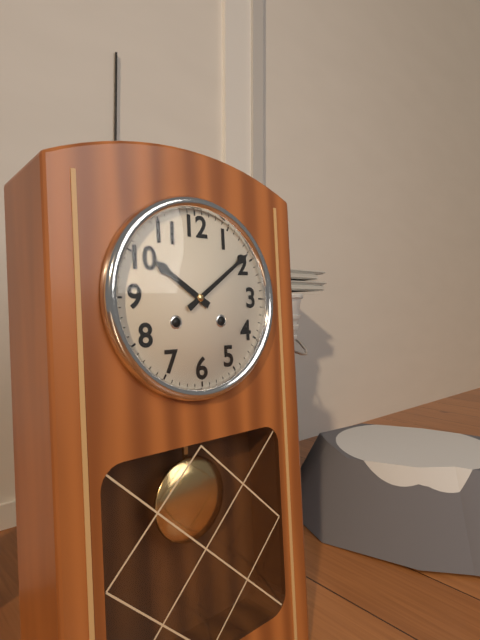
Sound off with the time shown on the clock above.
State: 10:09
